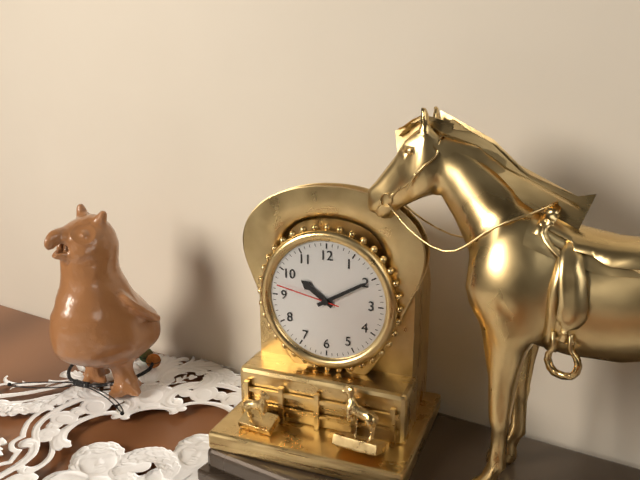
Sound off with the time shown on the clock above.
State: 10:10:47
